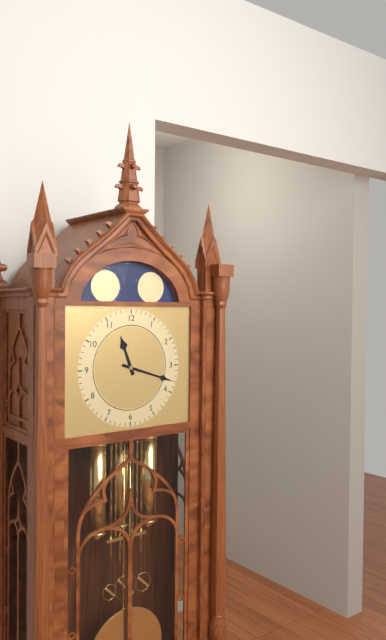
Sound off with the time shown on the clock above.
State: 11:18
